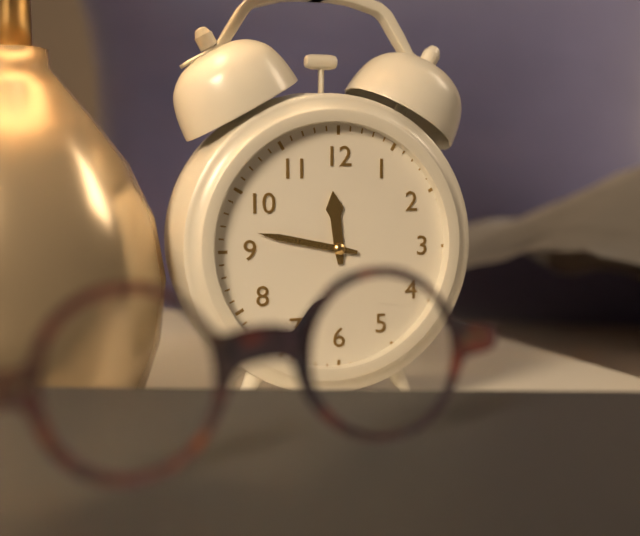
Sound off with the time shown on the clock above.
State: 11:47
